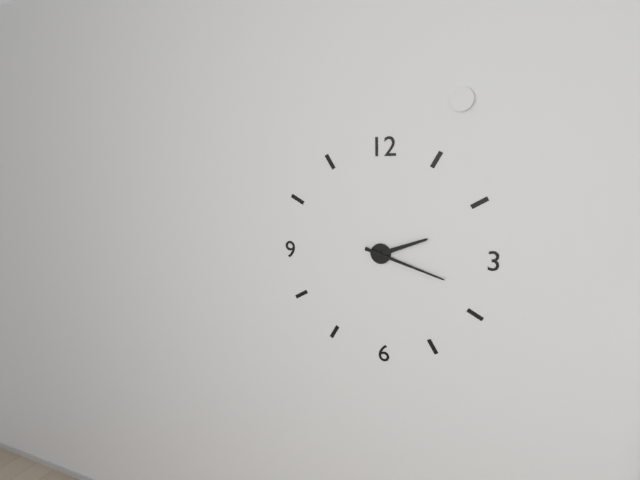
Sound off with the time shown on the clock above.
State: 2:18
